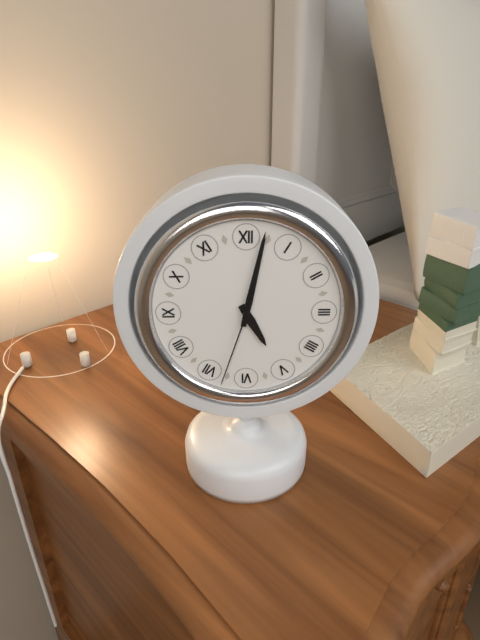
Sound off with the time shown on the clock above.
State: 5:02:33
